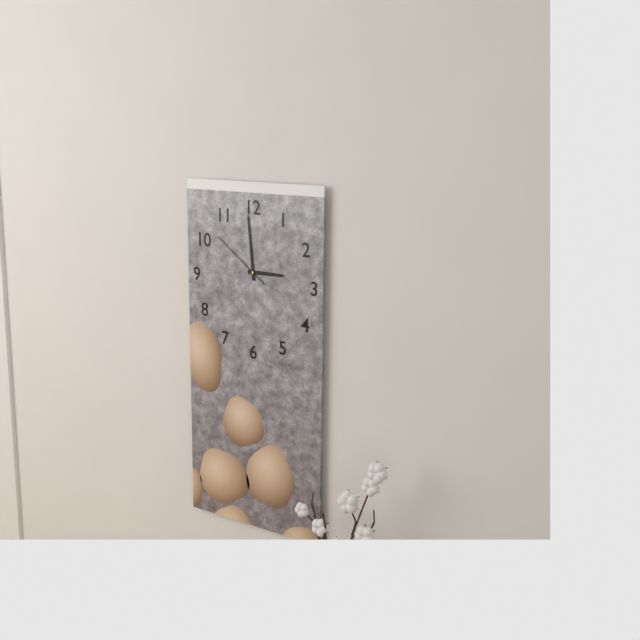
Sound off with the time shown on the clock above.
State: 2:59:51
